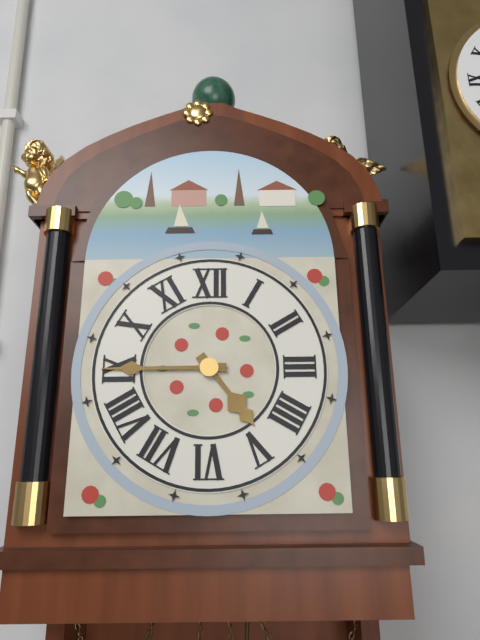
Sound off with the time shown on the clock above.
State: 4:45
